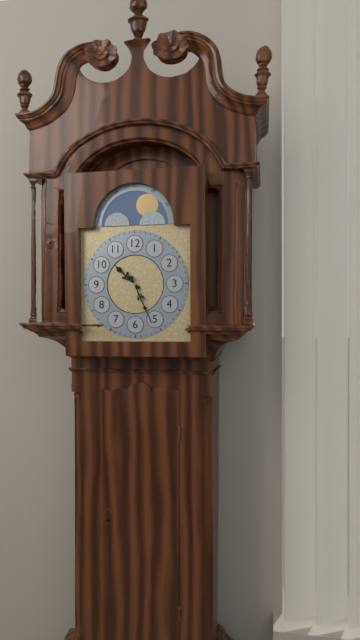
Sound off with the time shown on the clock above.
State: 10:26
